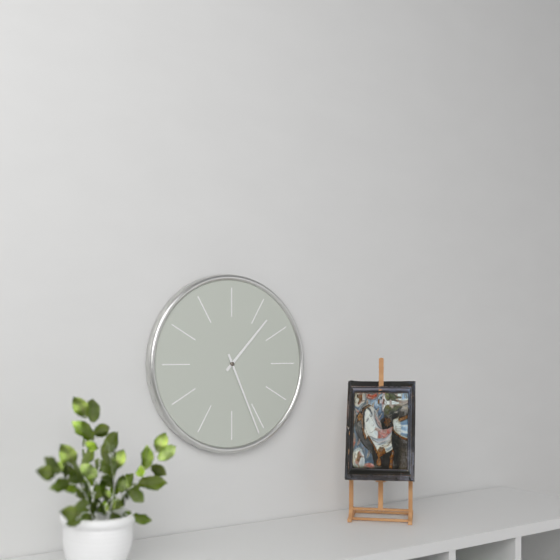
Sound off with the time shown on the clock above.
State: 1:26
